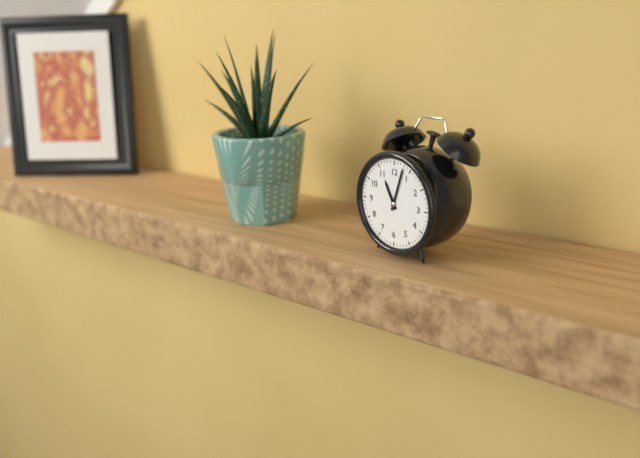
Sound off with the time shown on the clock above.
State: 11:03
